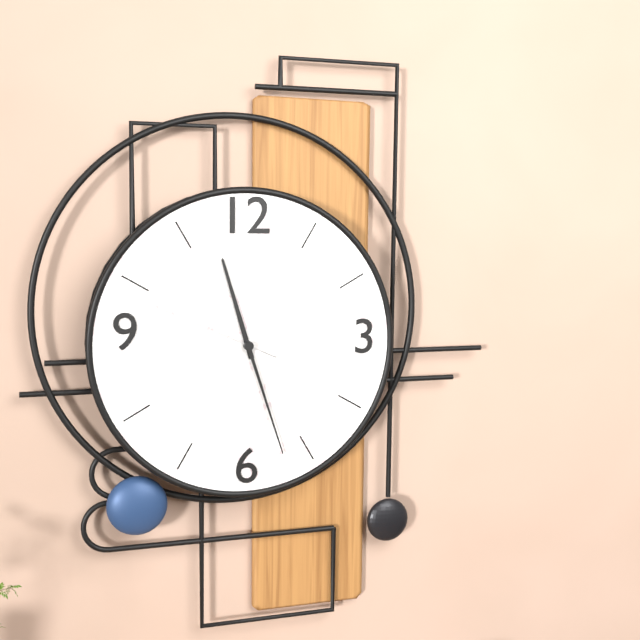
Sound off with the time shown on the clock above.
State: 11:27:49
